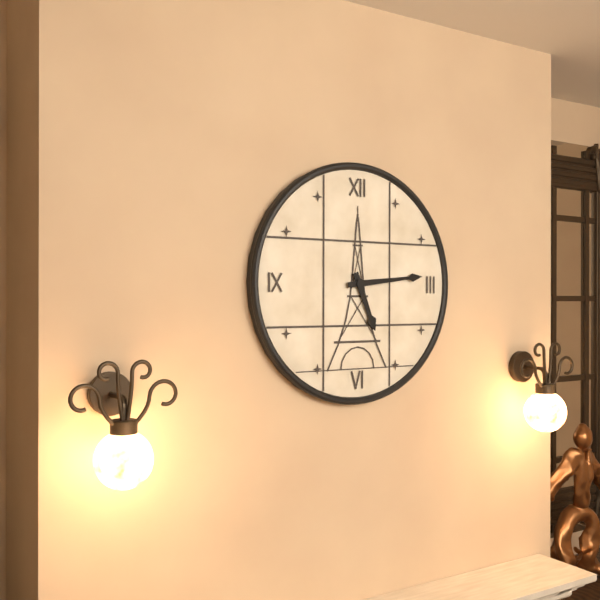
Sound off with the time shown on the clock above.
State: 5:14
